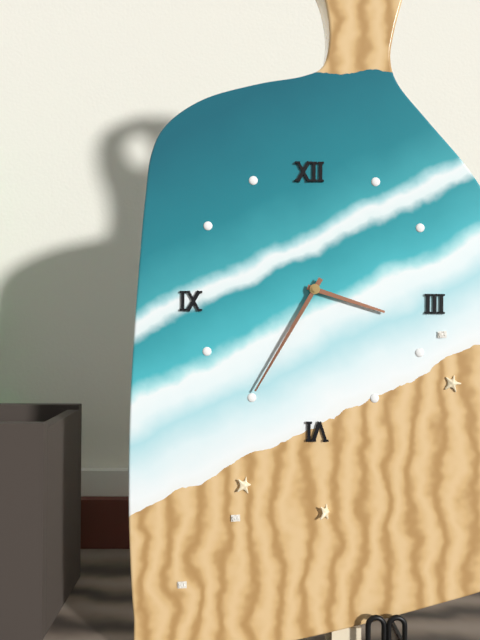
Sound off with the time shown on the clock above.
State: 3:35
